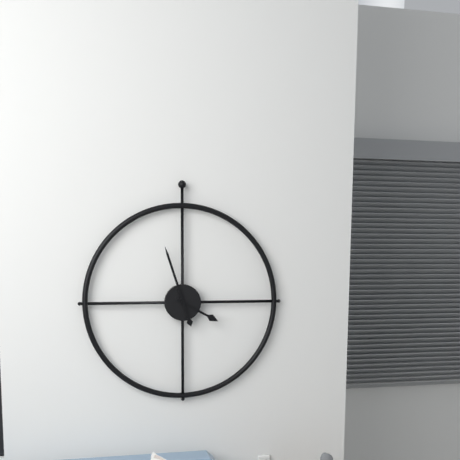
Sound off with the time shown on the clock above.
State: 3:57
